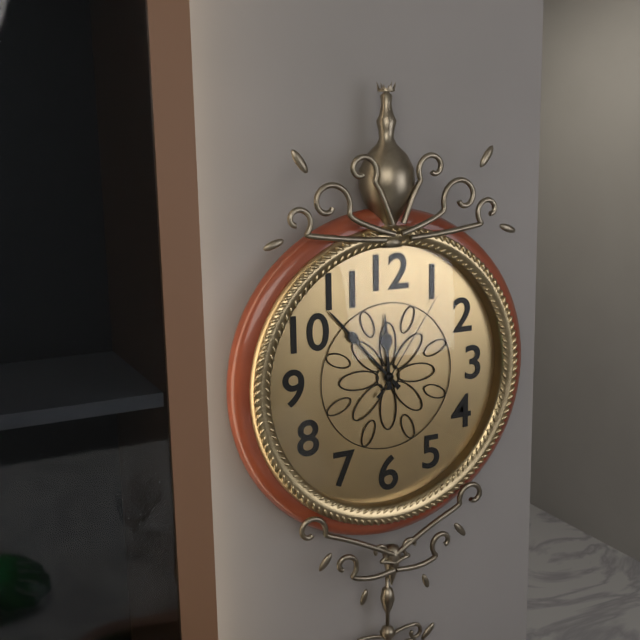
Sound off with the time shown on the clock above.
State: 11:53:06
